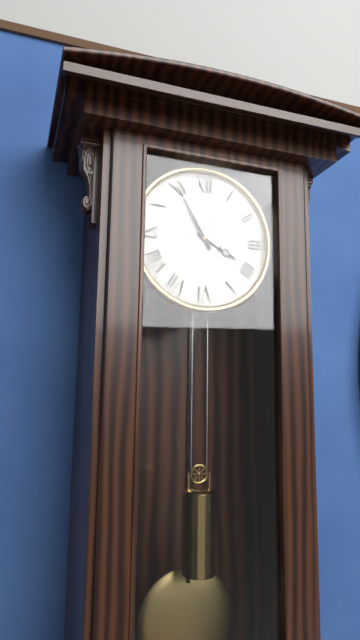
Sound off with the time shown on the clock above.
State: 3:55
